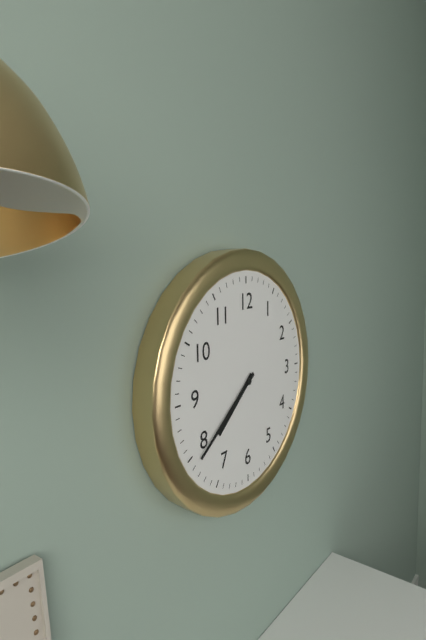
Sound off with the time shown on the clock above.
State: 7:39
